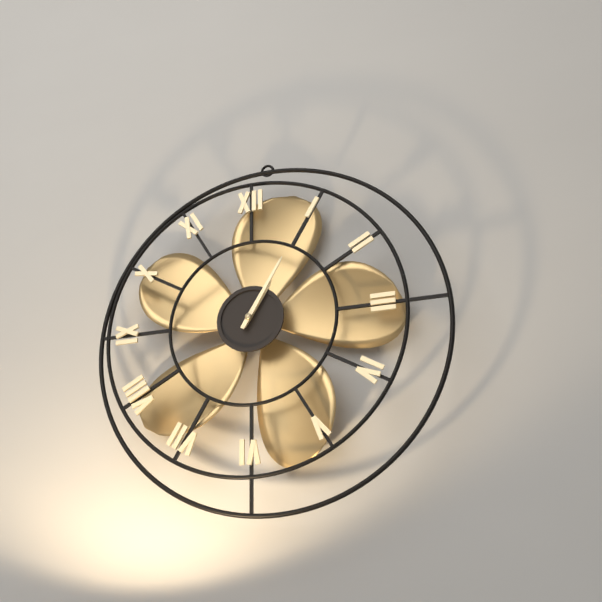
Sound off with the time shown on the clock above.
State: 1:05
